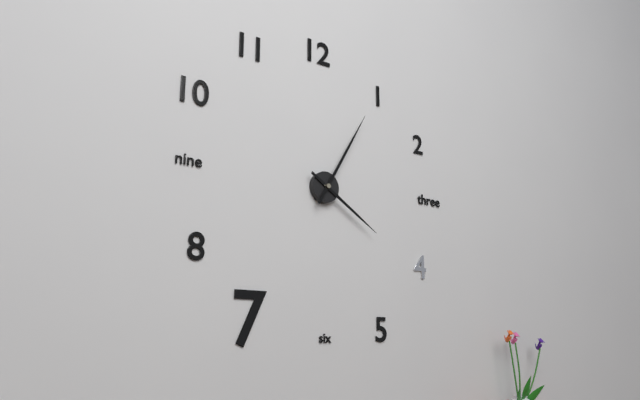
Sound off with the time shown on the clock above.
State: 4:05
